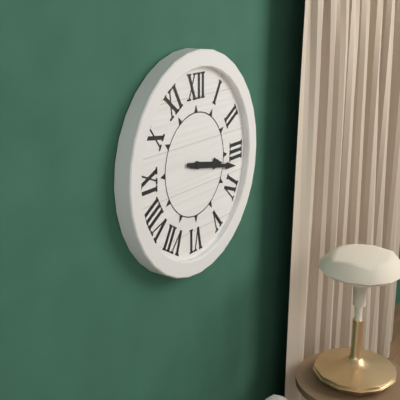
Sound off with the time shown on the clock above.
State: 3:17
